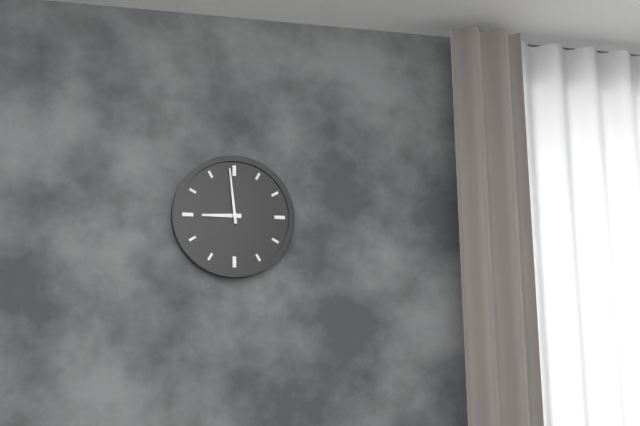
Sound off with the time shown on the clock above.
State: 8:59
